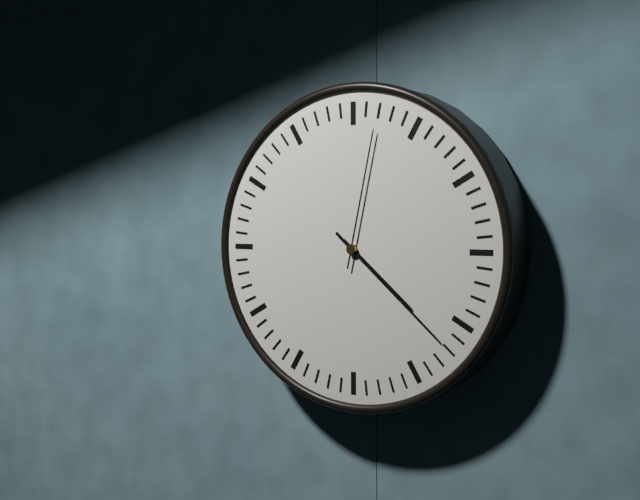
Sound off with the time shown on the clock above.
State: 4:22:02
